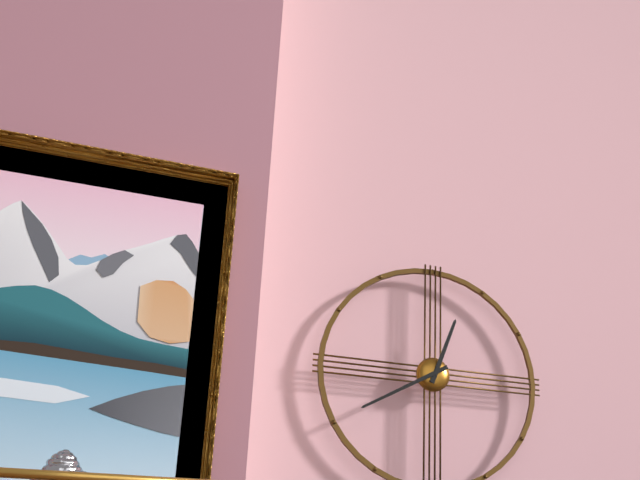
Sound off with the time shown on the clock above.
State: 12:40
